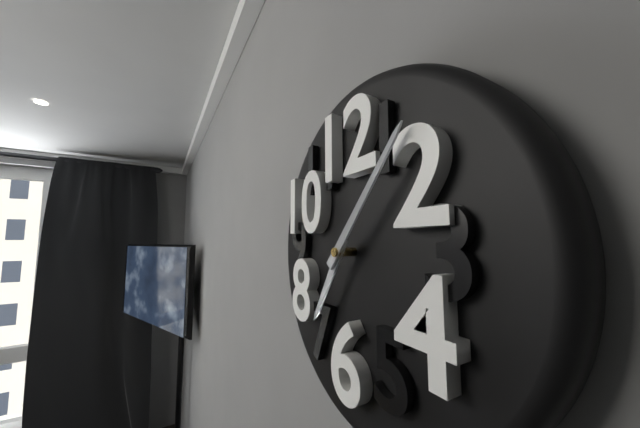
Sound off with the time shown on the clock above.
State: 7:07
